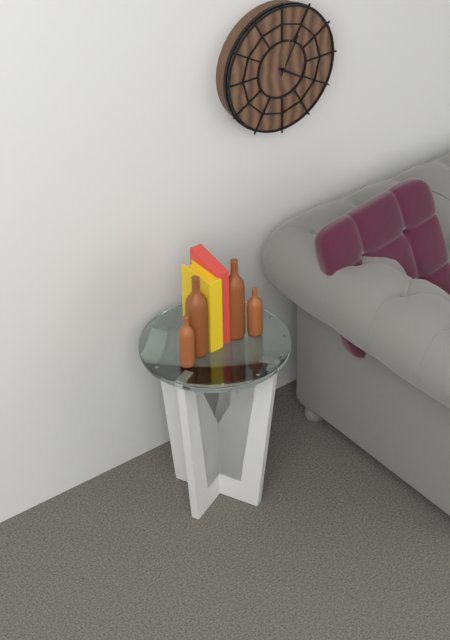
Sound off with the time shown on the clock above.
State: 4:05:02
